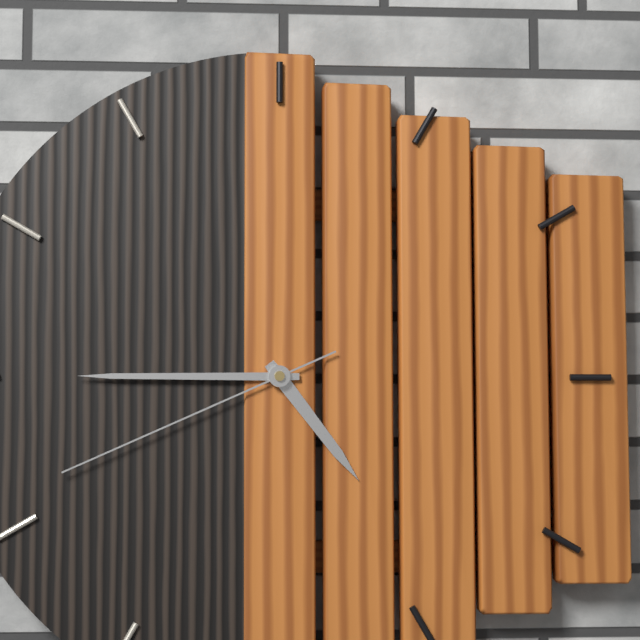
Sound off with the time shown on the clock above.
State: 4:45:41
